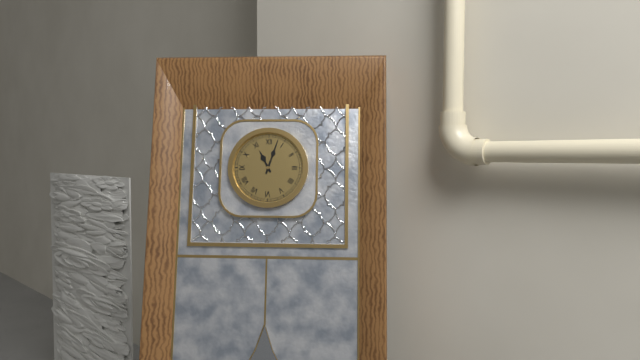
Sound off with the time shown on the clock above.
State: 11:03
